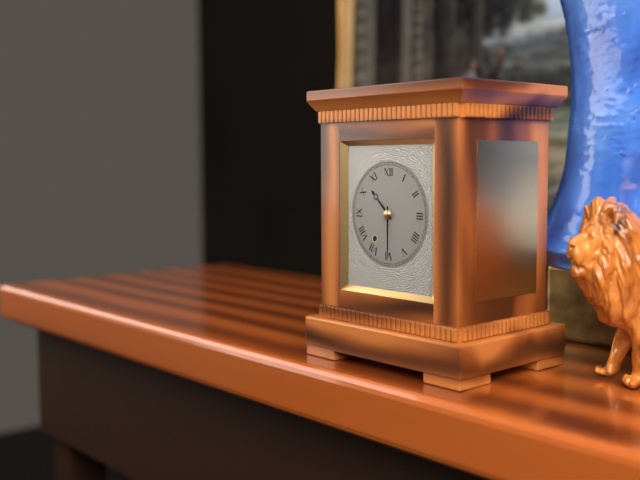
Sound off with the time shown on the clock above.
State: 10:30
